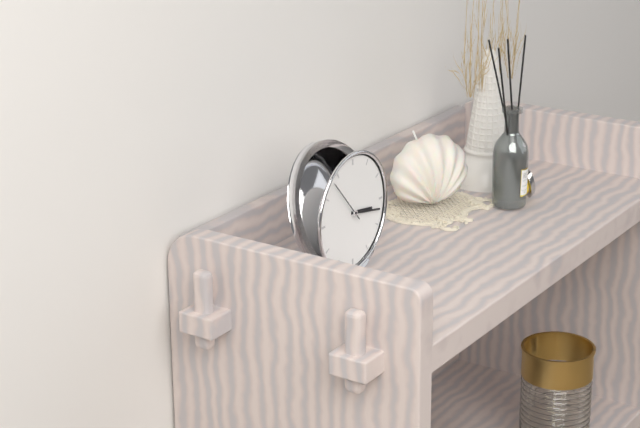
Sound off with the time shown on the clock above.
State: 3:17
